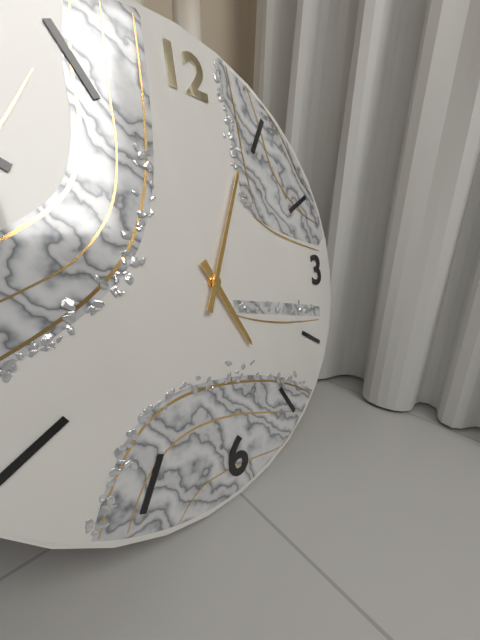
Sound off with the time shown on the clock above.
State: 5:04
